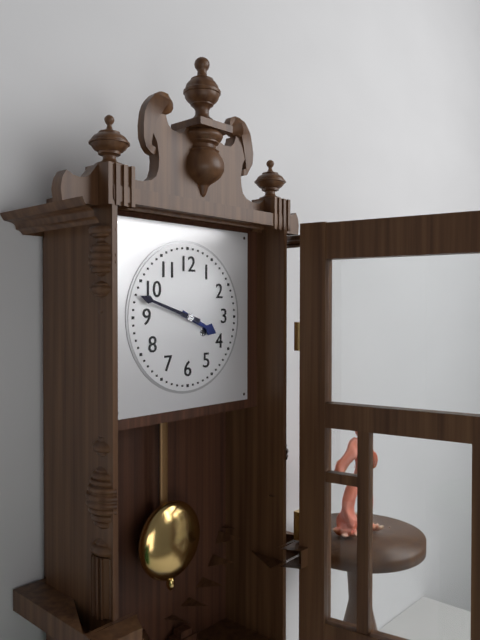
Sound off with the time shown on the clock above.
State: 3:48
